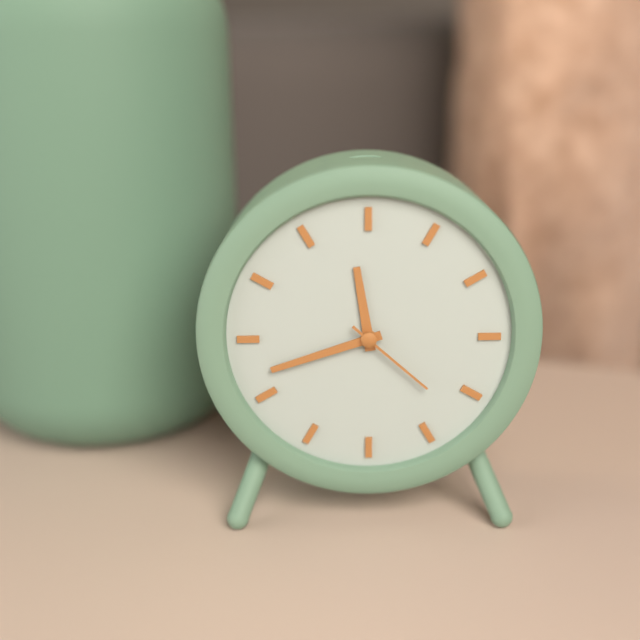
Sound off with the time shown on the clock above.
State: 11:42:22
